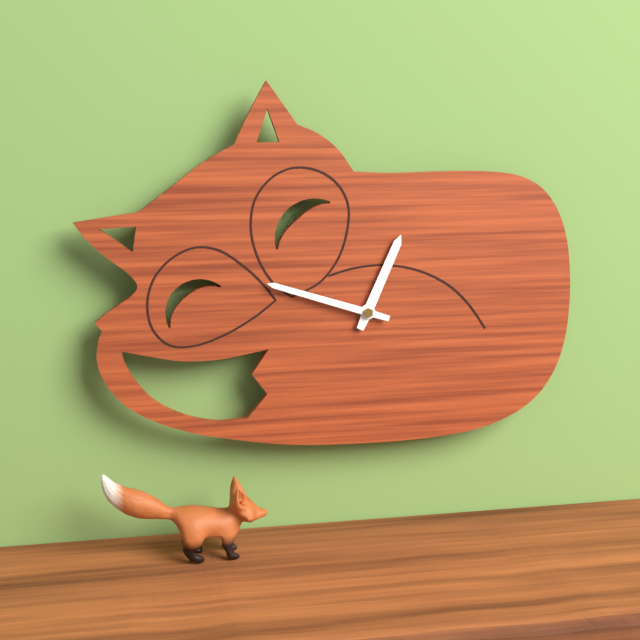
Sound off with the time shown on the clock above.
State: 12:48
